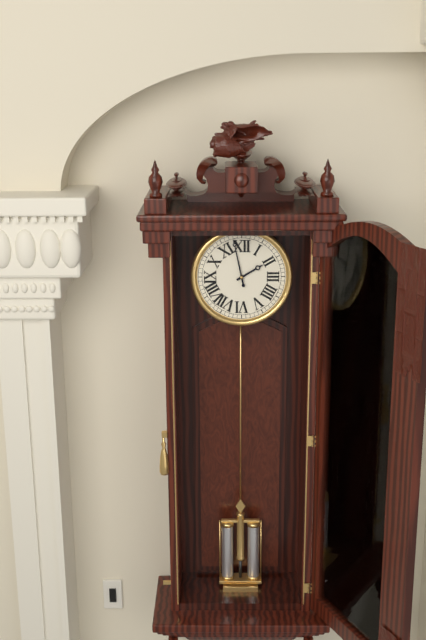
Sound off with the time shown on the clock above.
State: 1:58
